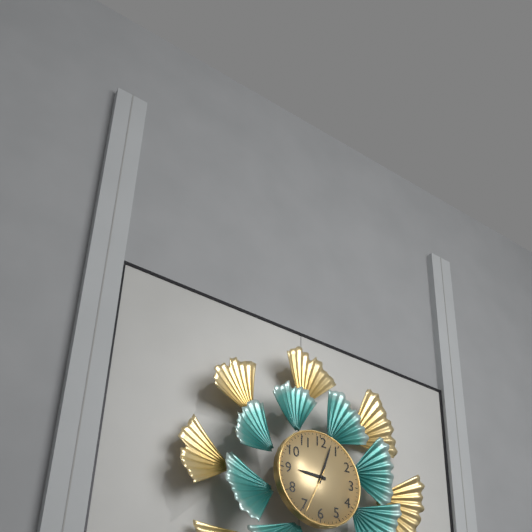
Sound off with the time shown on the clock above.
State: 9:03
